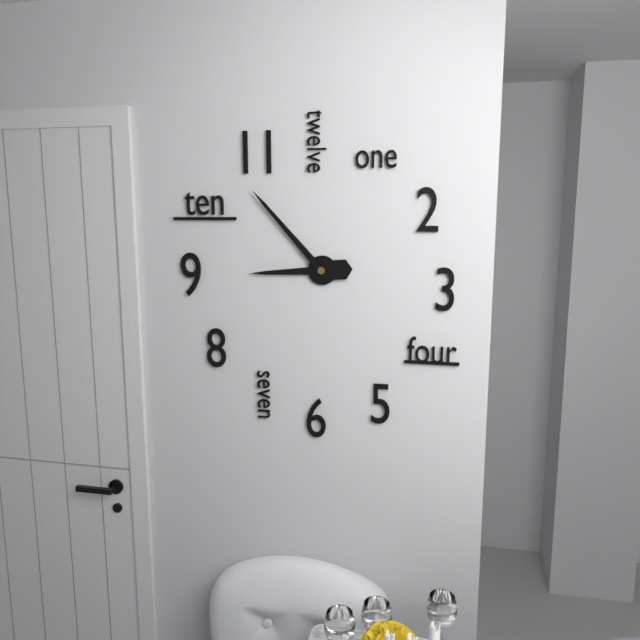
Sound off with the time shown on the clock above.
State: 8:53
